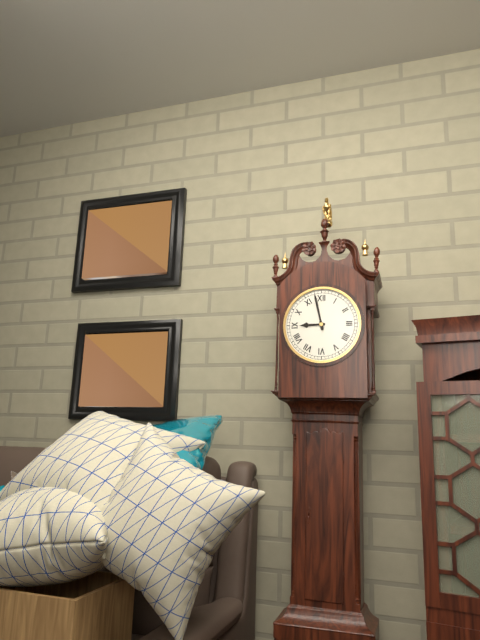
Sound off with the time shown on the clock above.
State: 8:58
